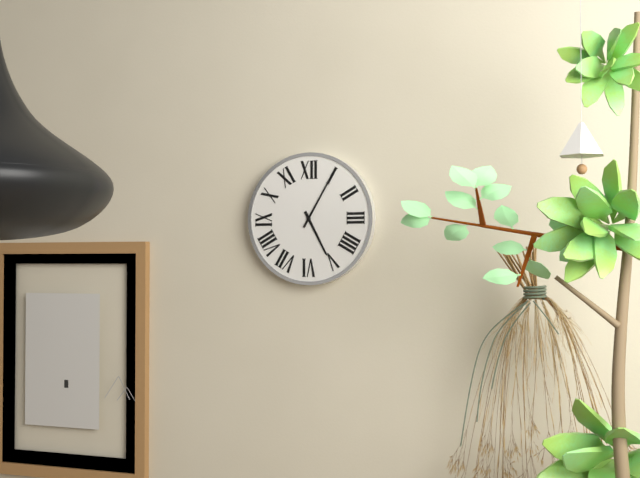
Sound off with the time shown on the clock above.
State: 5:05
